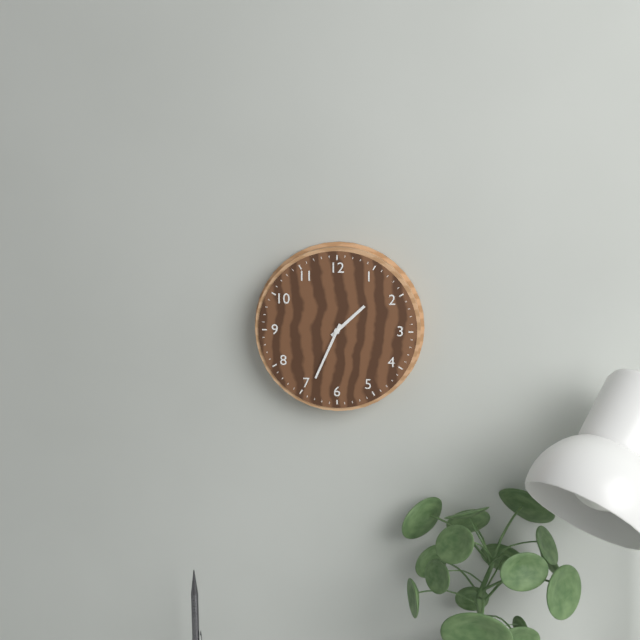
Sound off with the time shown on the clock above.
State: 1:34
